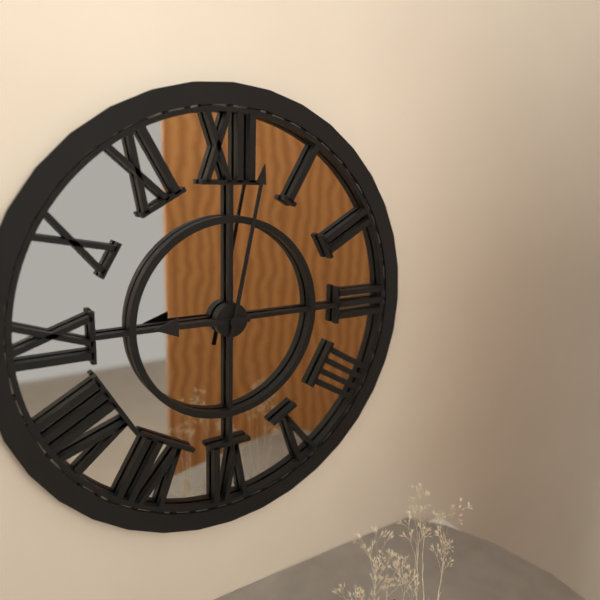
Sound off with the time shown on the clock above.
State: 9:02
